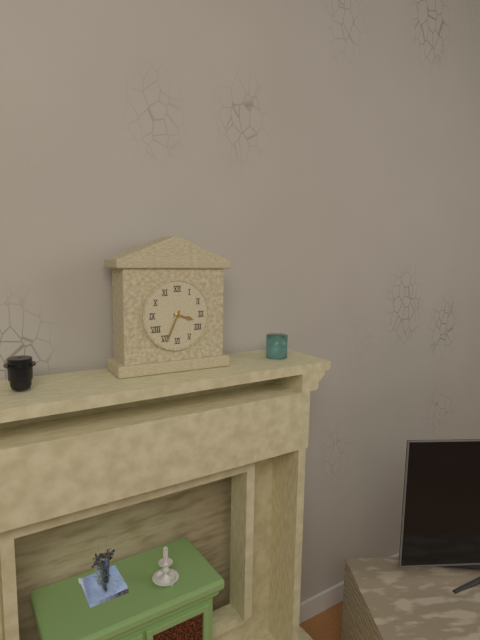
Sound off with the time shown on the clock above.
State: 3:34
